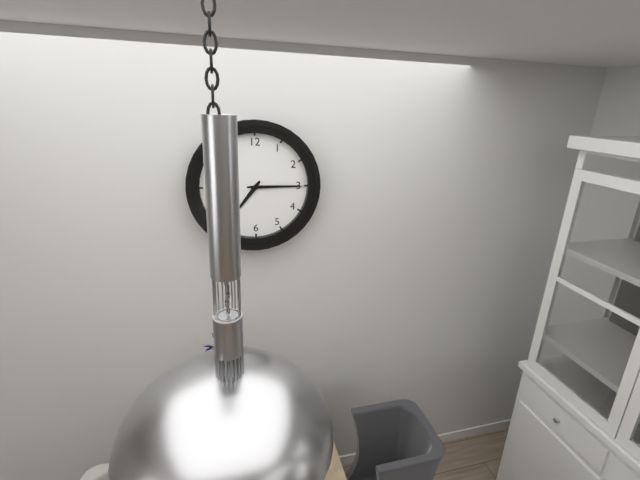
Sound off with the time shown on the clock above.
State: 7:15
